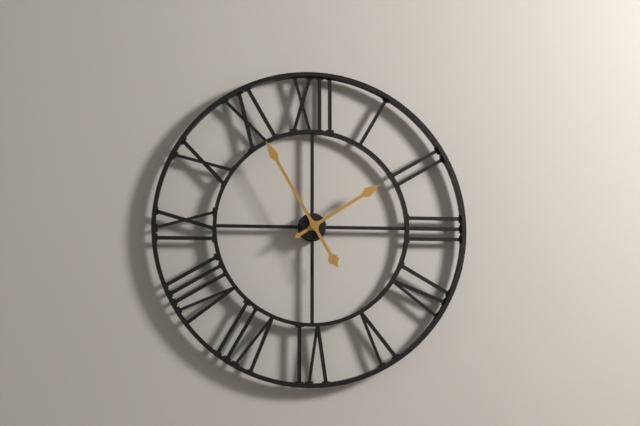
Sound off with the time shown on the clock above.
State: 1:55
